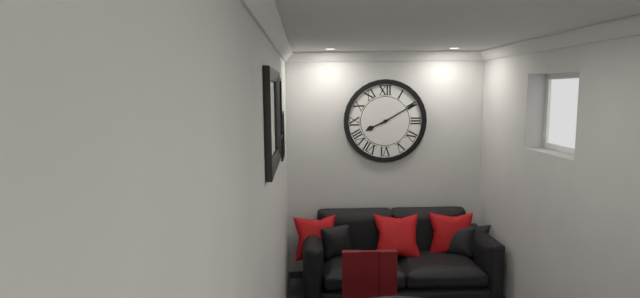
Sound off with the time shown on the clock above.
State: 8:10
